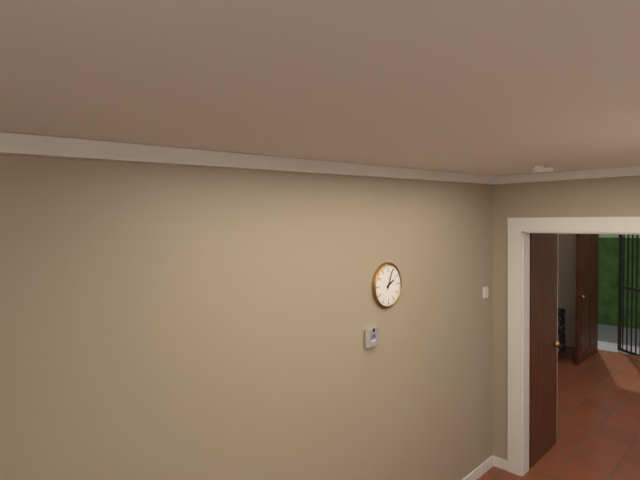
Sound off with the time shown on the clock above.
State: 2:04
